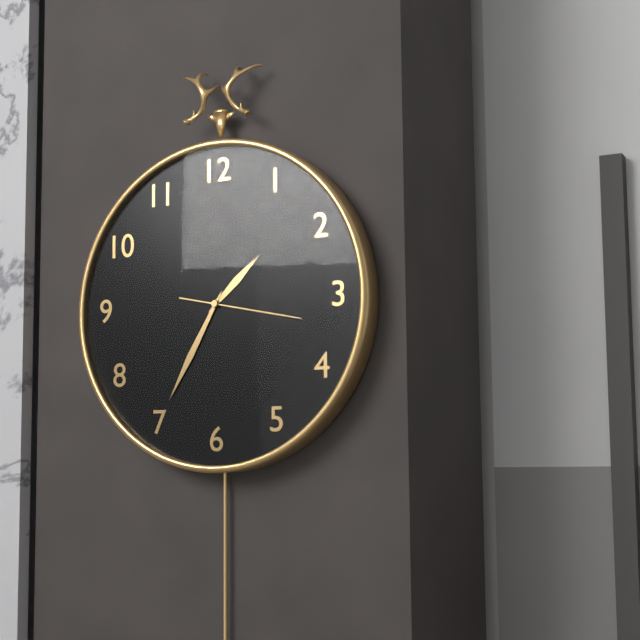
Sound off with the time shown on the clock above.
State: 1:35:17
